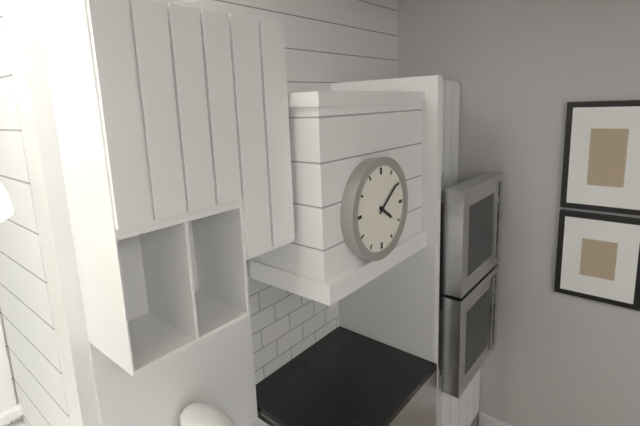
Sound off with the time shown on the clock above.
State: 4:09
